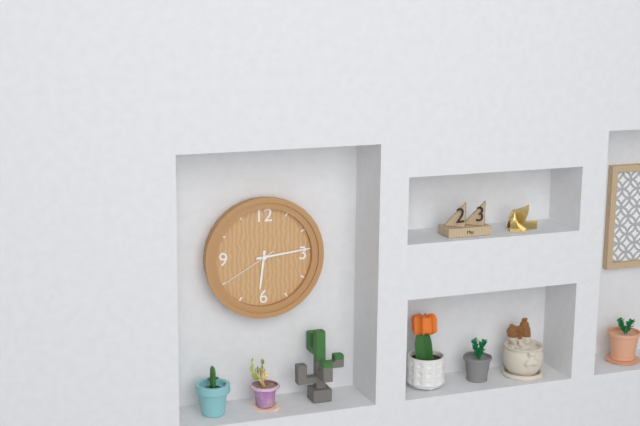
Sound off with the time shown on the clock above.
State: 6:14:40
